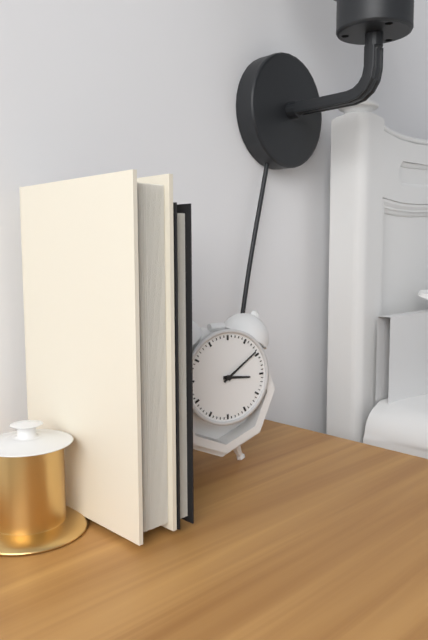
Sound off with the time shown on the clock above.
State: 3:09
